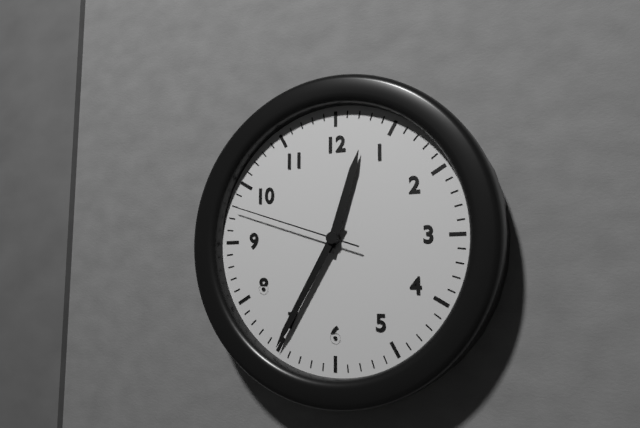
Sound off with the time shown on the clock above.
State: 12:35:48
